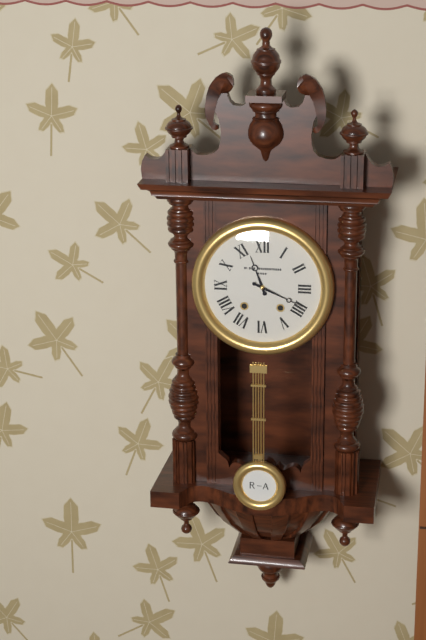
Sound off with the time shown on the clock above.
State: 11:19
